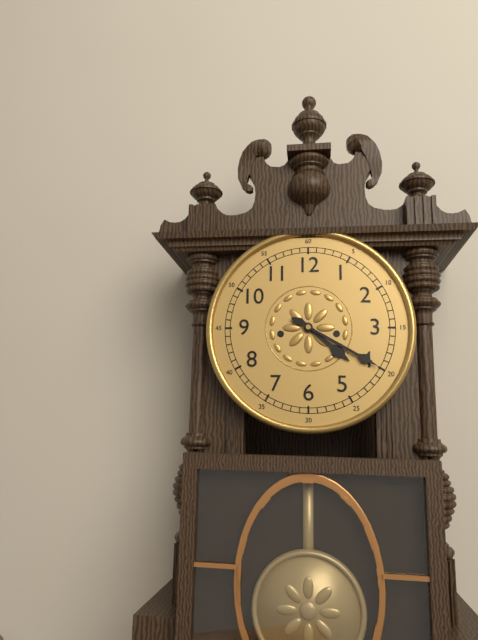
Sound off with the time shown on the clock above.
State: 4:20
